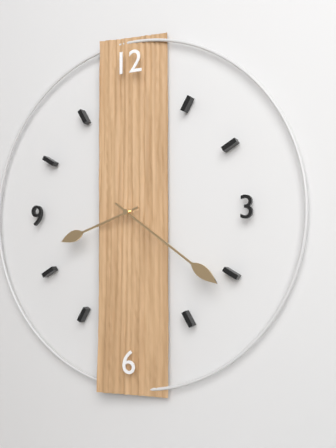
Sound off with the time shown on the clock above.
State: 8:21
